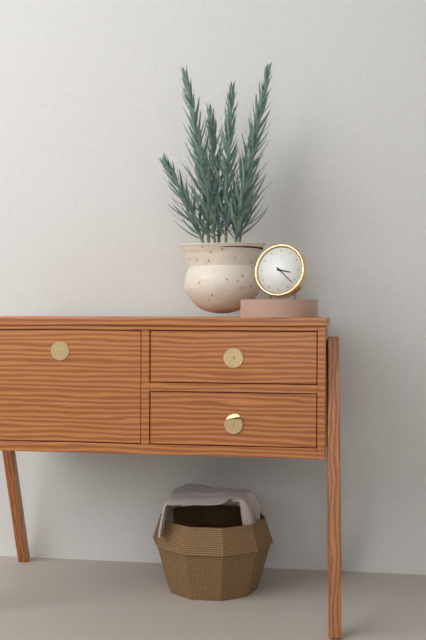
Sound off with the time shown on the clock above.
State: 3:22
